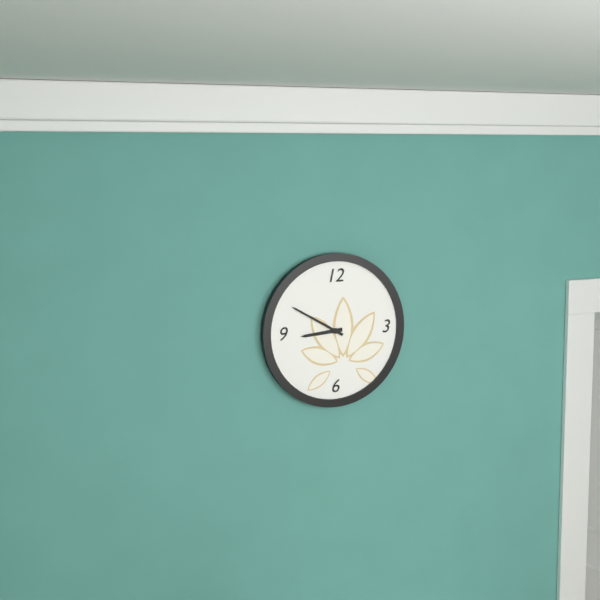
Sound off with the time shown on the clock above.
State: 8:50
